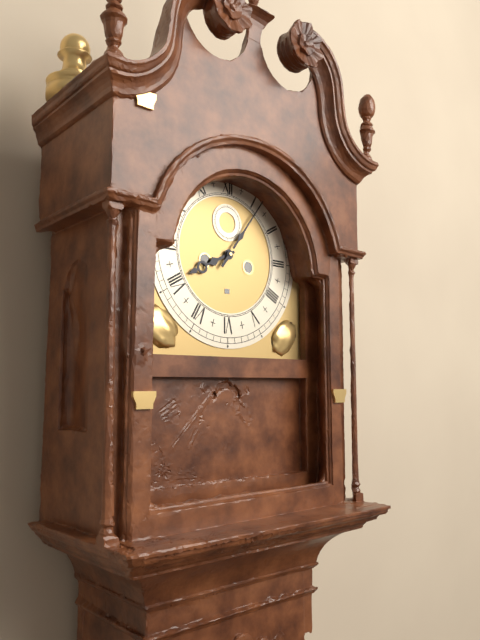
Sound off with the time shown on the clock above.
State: 8:06
